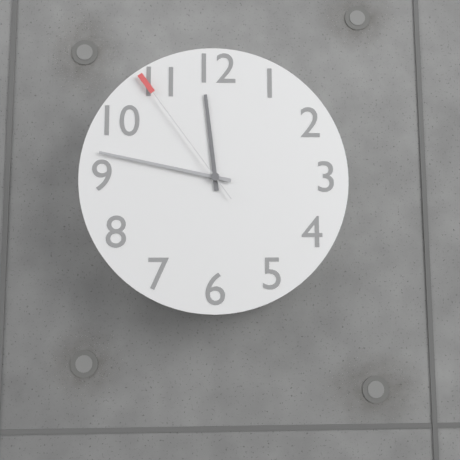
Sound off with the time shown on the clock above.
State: 11:47:54
